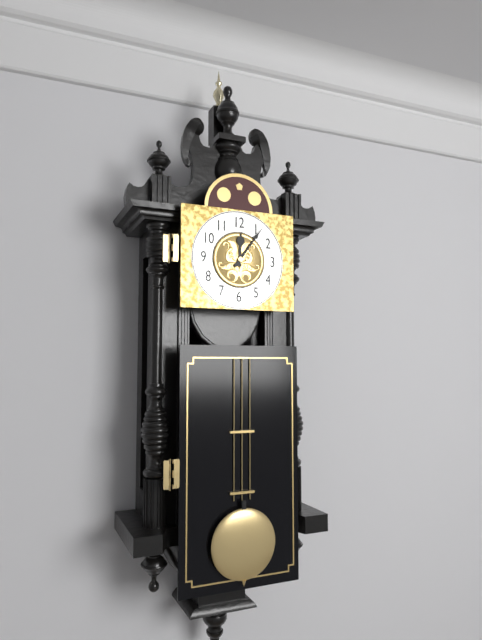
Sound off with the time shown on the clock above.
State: 12:06
